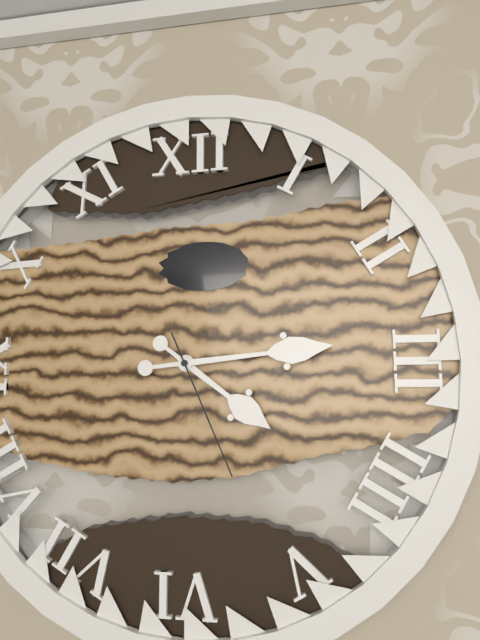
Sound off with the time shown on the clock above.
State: 4:14:26
